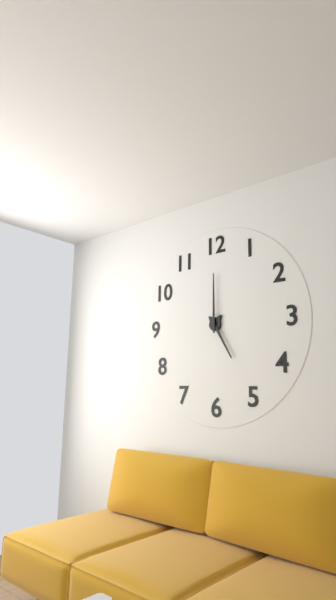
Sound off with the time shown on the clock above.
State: 5:00
